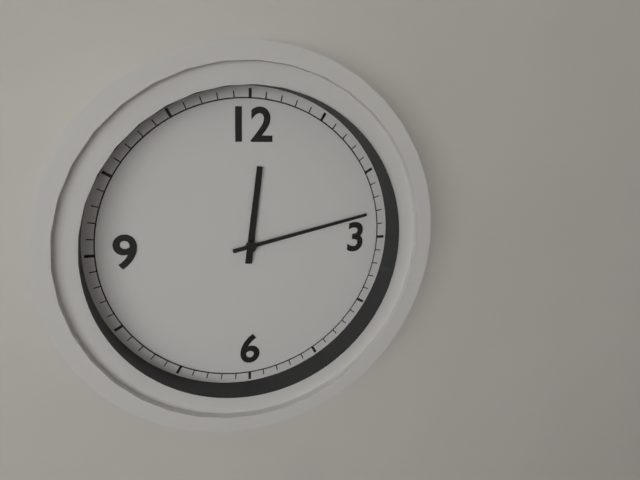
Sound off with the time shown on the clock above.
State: 12:13
